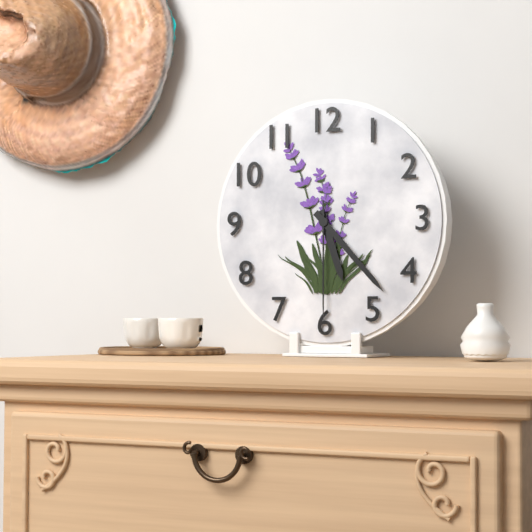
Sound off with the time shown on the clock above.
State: 5:23:30
